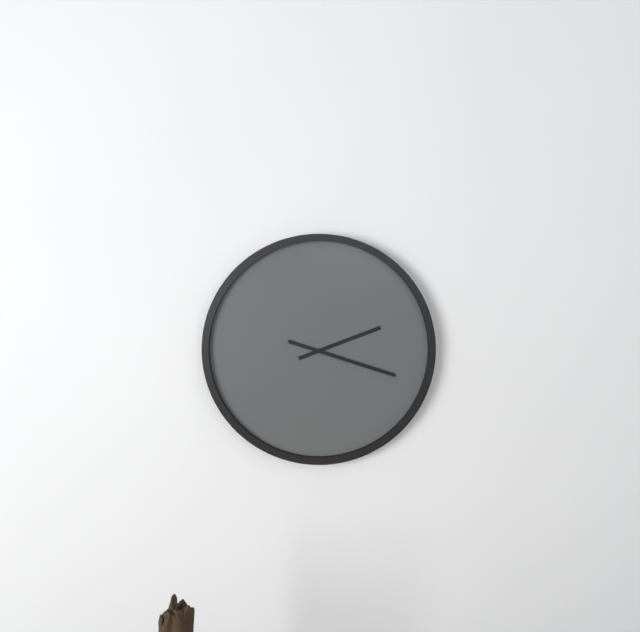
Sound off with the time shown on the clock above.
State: 2:18
